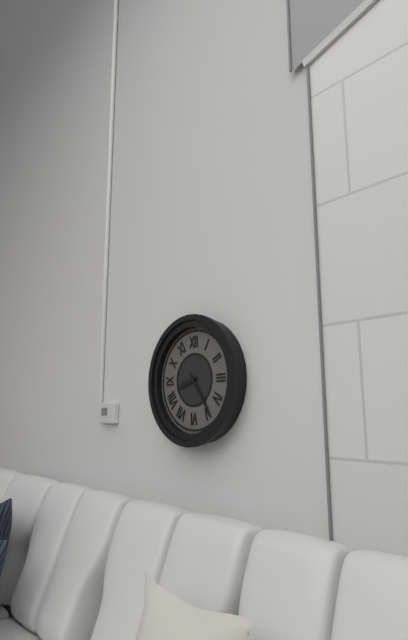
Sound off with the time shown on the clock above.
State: 8:24
